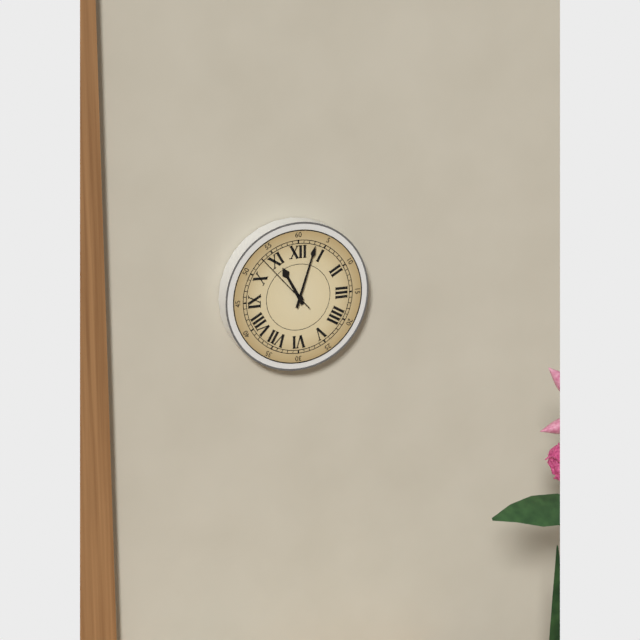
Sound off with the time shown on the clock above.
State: 11:03:53
